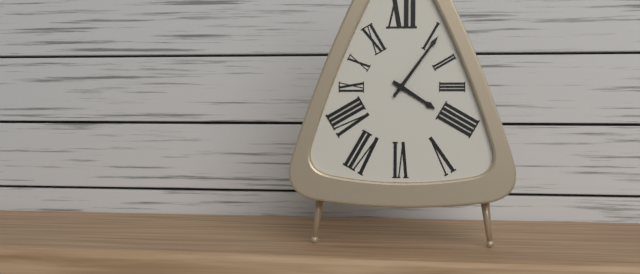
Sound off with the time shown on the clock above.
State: 4:06
